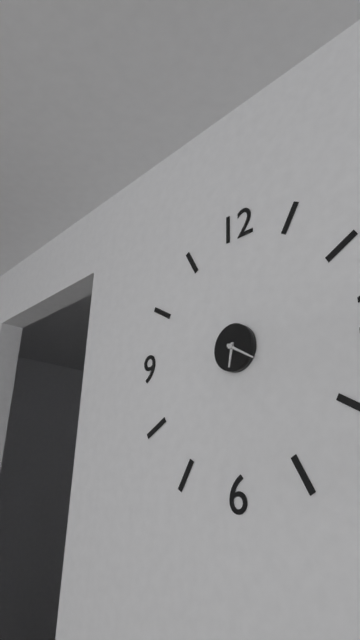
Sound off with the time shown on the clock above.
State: 6:20
